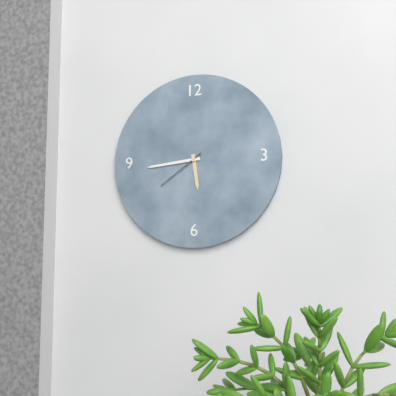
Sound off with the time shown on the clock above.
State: 5:44:39
